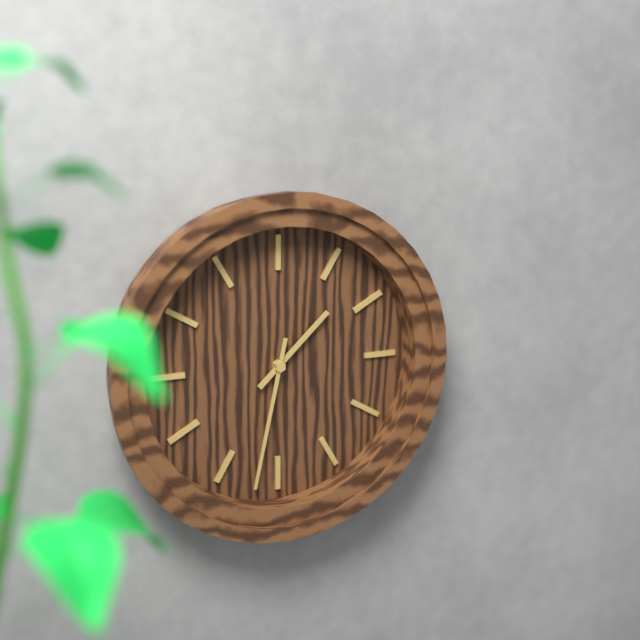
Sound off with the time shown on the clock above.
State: 1:32
